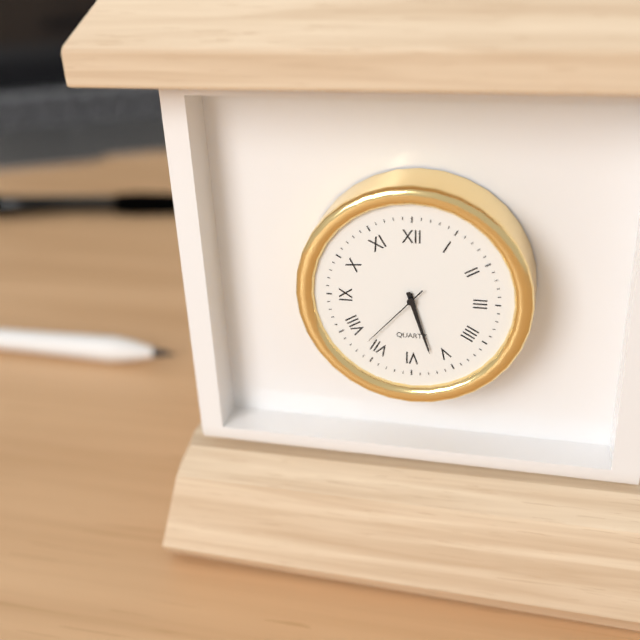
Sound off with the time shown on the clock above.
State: 5:27:37
